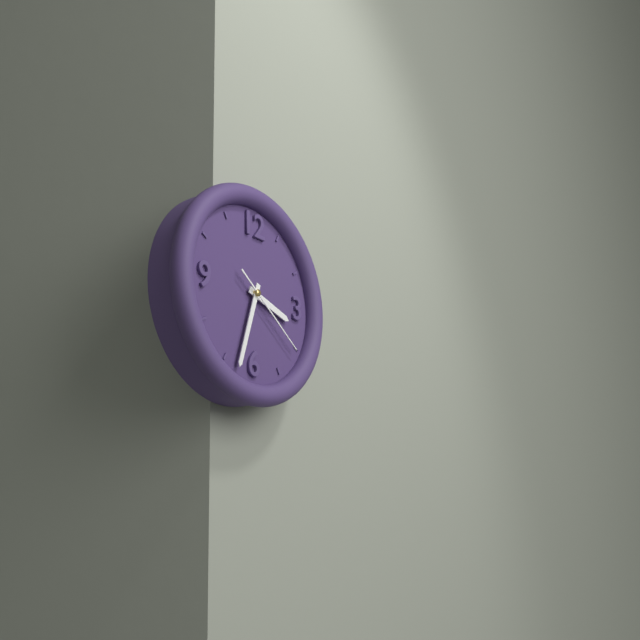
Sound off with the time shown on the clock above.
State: 3:33:21
